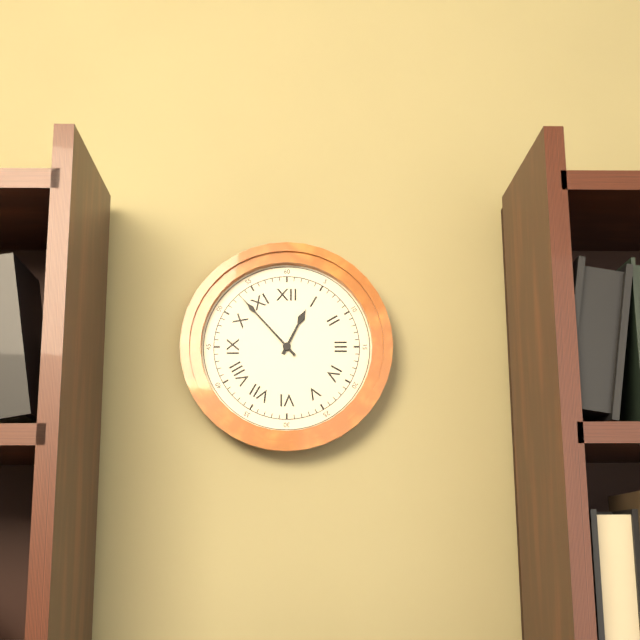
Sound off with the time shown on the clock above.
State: 12:53
